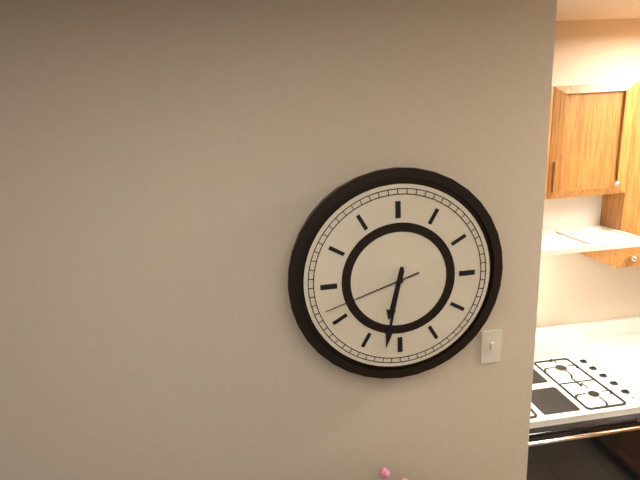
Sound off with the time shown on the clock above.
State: 6:32:42
